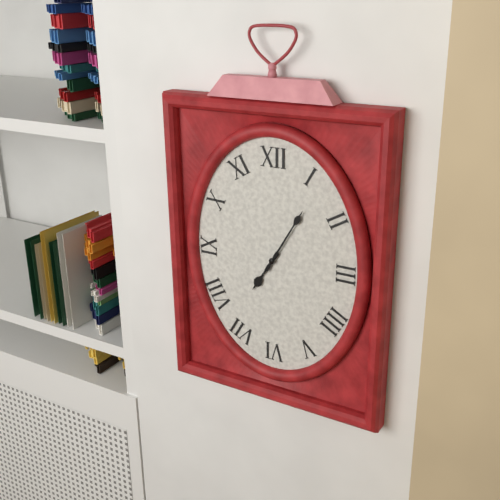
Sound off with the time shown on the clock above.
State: 7:05
